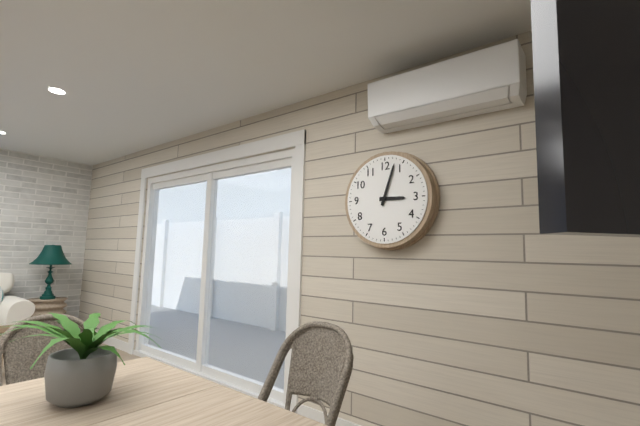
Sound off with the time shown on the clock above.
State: 3:03
